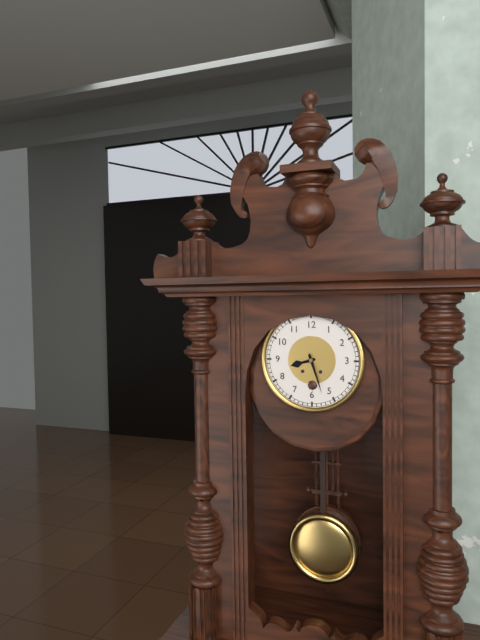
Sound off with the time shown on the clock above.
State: 8:27
